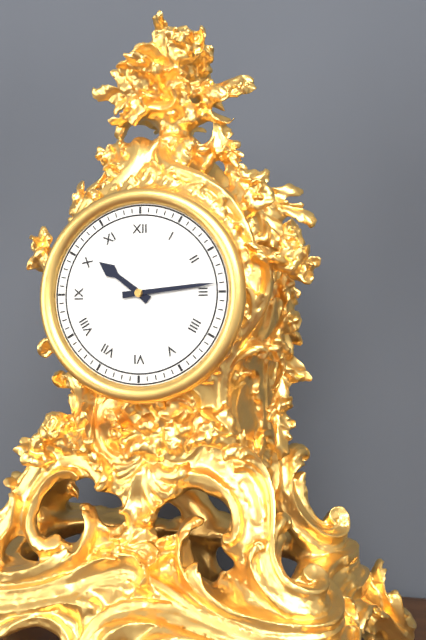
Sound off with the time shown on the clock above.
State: 10:14
